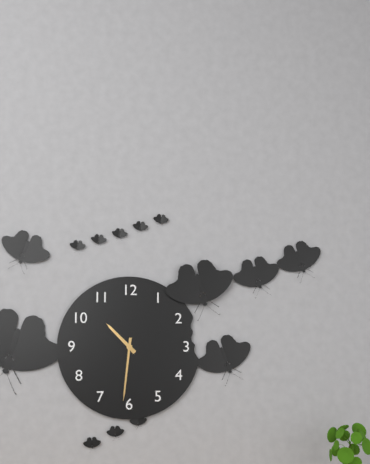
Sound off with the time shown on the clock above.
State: 10:31
